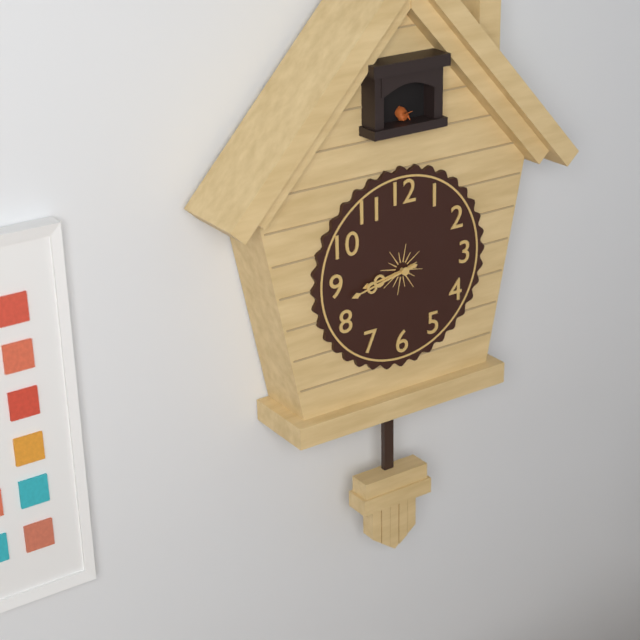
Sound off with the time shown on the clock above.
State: 8:43
